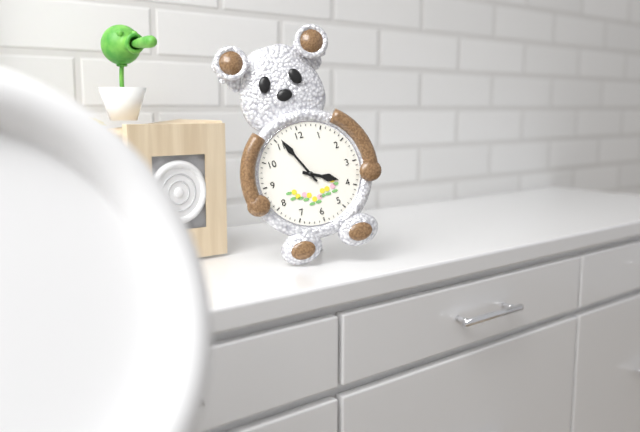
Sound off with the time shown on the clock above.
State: 3:56
